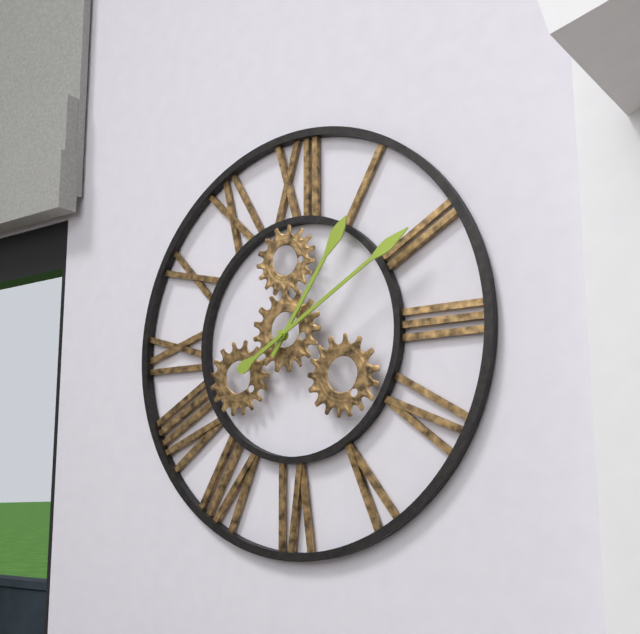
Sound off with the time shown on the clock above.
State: 1:10
